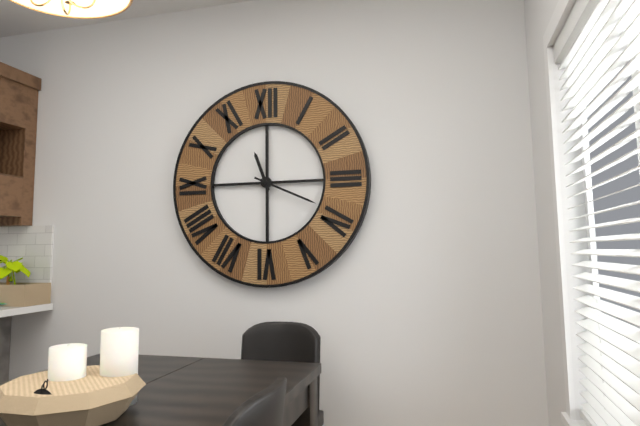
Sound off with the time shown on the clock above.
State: 11:19
